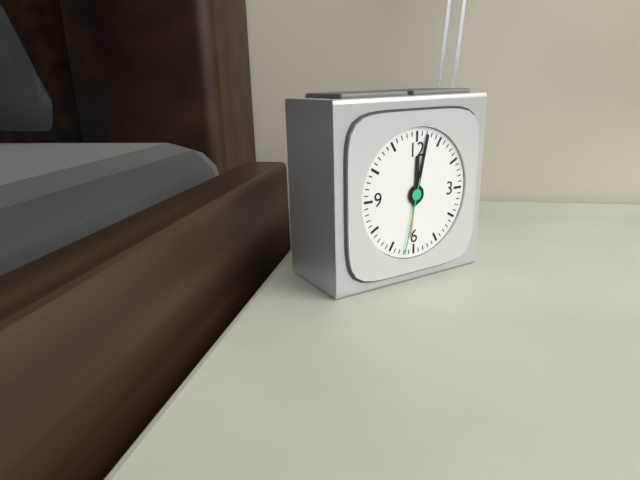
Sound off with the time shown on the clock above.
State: 12:02:32
